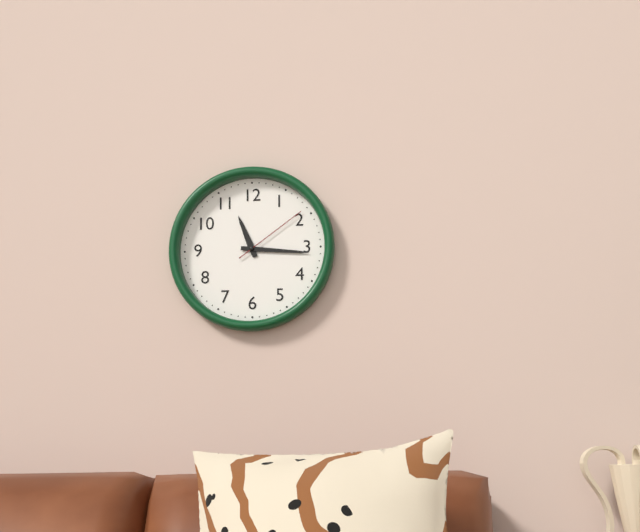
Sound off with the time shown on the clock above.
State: 11:16:09
